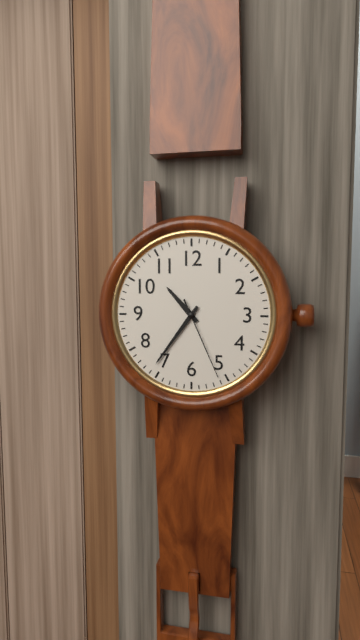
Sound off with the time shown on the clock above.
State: 10:36:26
